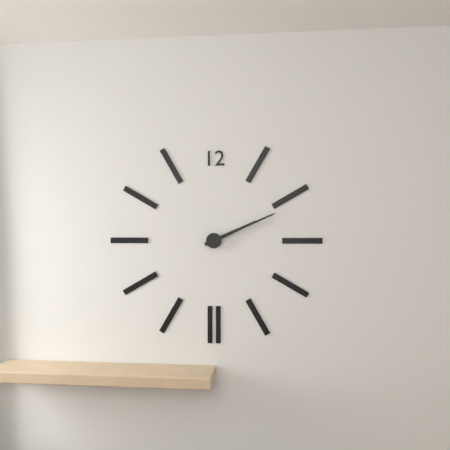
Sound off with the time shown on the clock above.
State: 2:11
